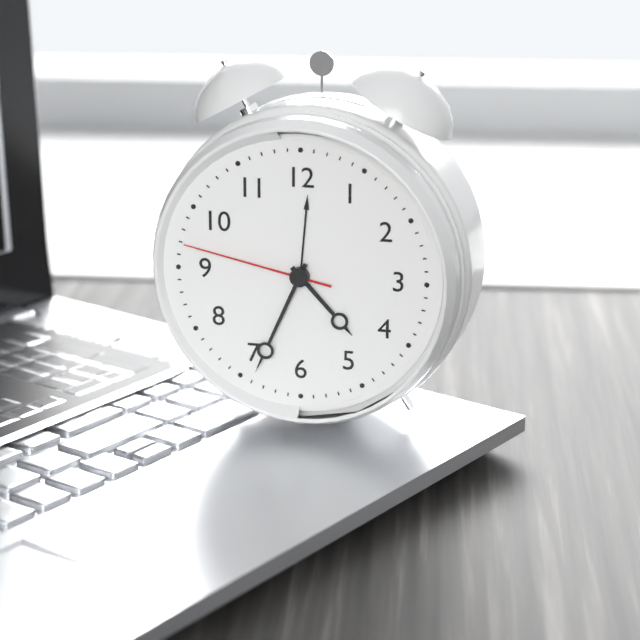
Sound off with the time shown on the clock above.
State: 4:34:47
